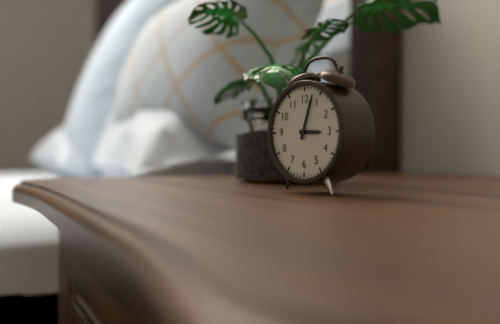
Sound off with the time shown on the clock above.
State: 3:03
